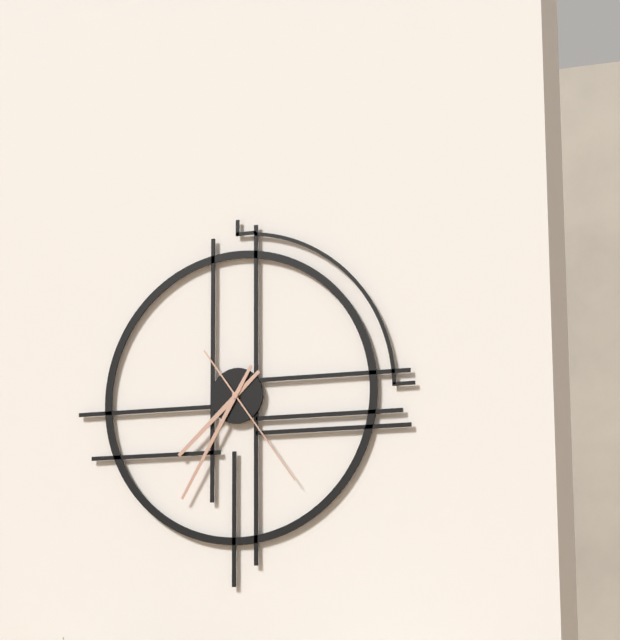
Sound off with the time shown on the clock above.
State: 7:35:24
